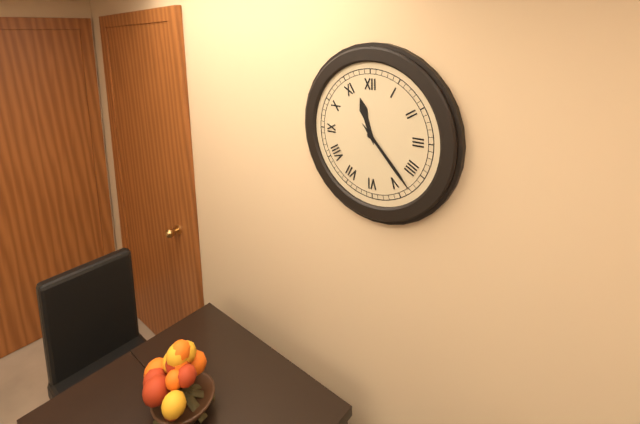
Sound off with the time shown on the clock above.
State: 11:23
